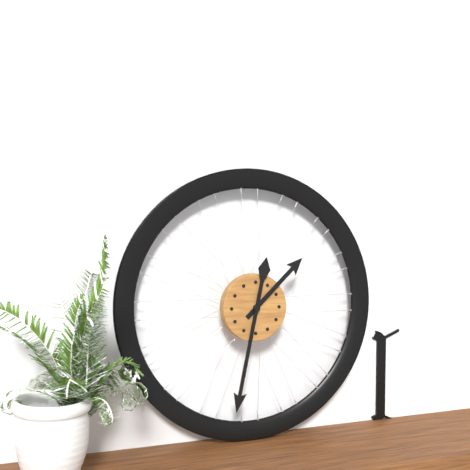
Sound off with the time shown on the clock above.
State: 1:32
